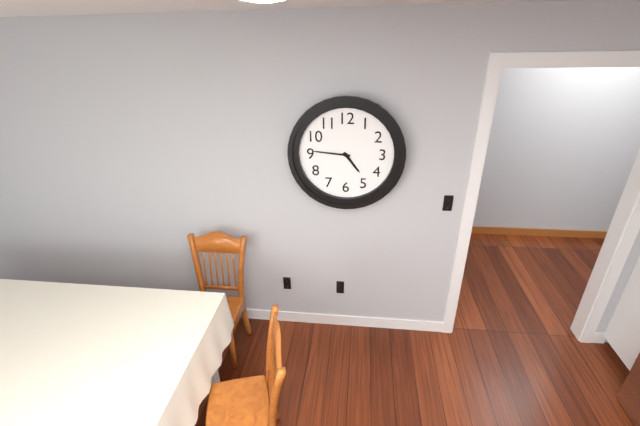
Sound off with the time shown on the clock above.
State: 4:46
